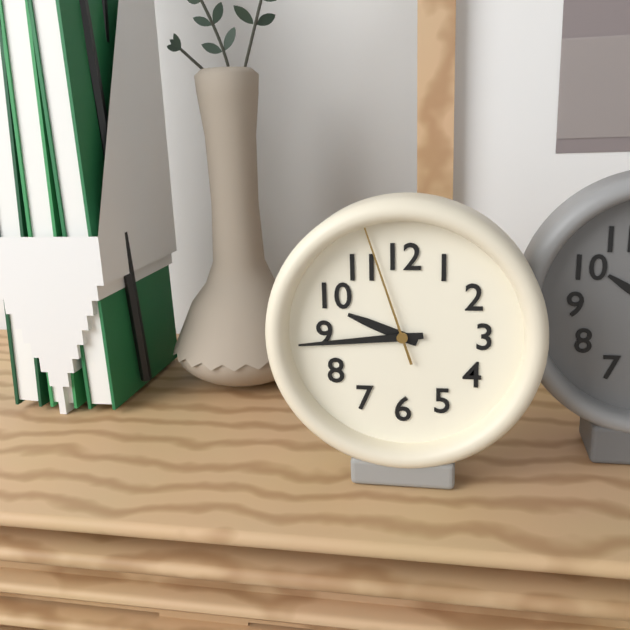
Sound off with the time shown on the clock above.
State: 9:44:57
